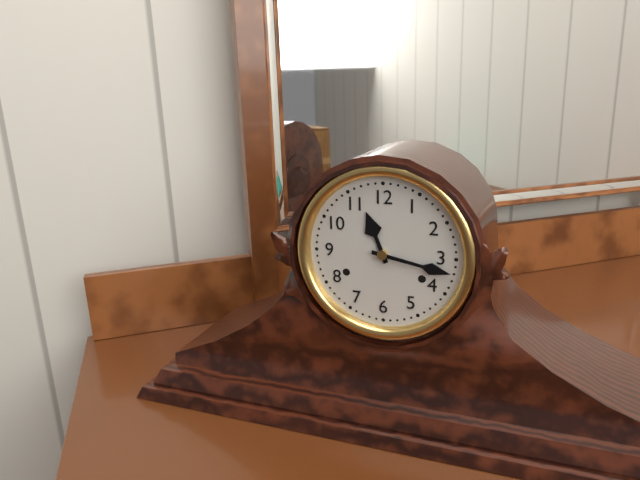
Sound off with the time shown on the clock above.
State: 11:17
